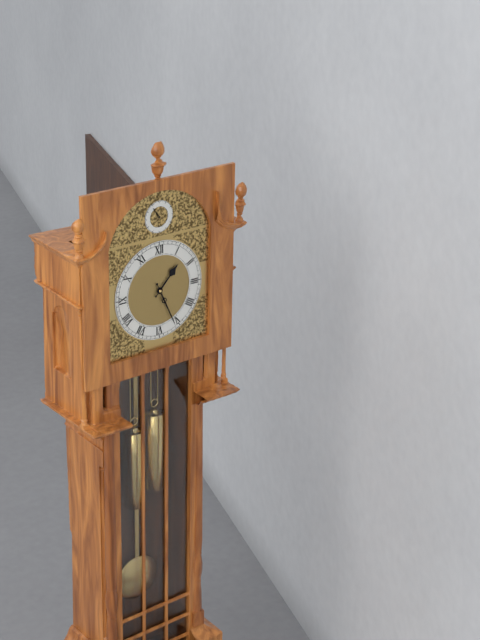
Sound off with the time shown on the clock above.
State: 1:26
